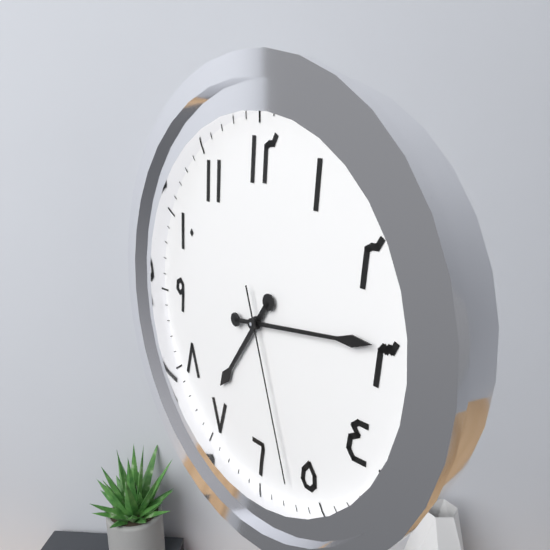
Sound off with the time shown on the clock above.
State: 7:14:27
